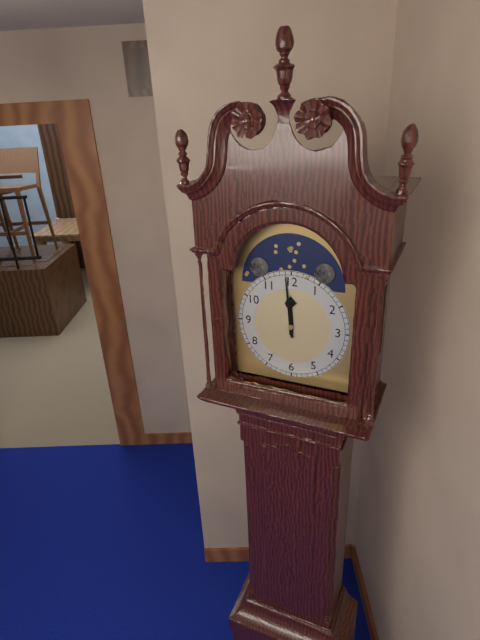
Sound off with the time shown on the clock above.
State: 11:59
